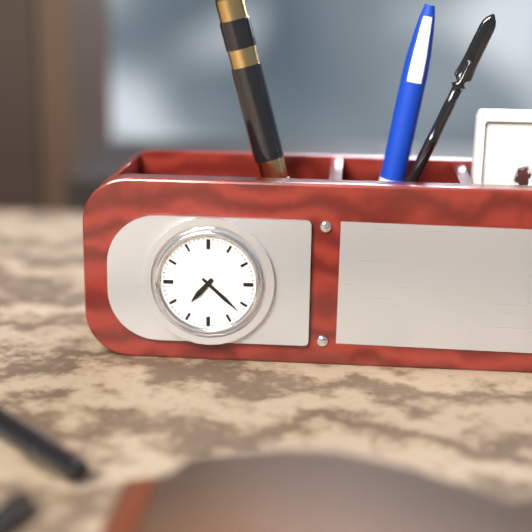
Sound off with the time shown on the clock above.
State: 7:22
